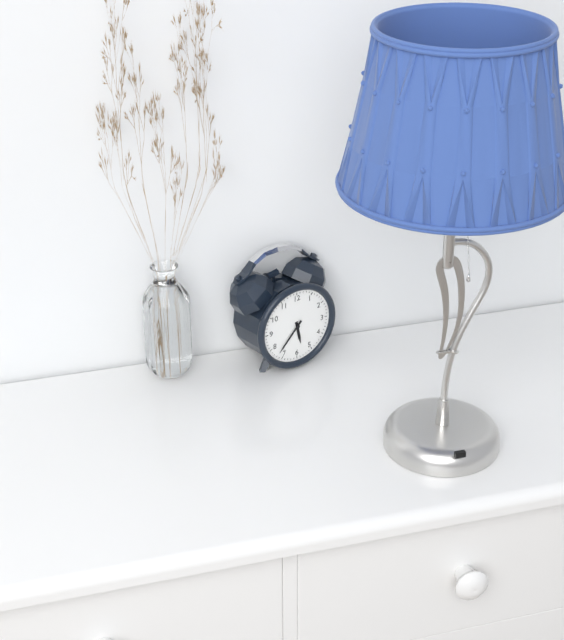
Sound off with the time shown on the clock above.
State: 5:37
